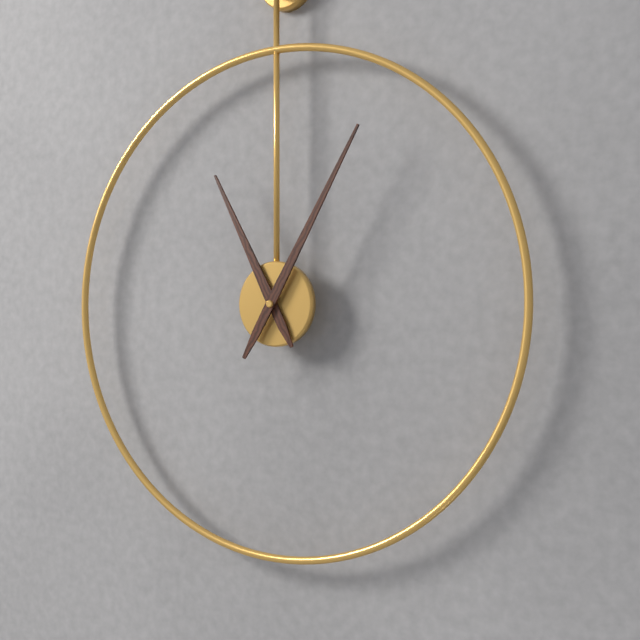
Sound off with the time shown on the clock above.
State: 11:05
